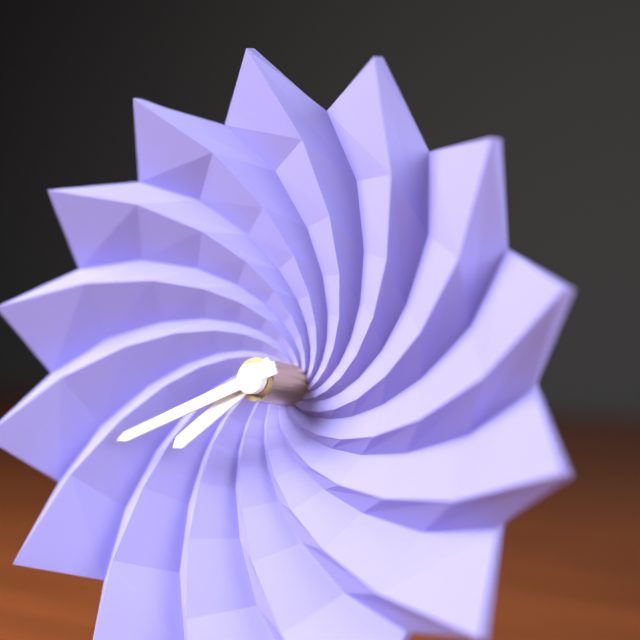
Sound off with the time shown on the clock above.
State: 7:41
